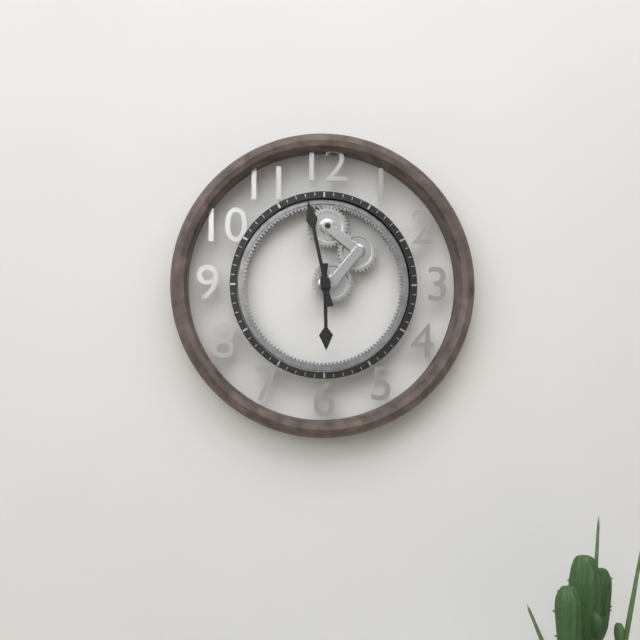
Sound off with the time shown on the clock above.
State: 5:58
